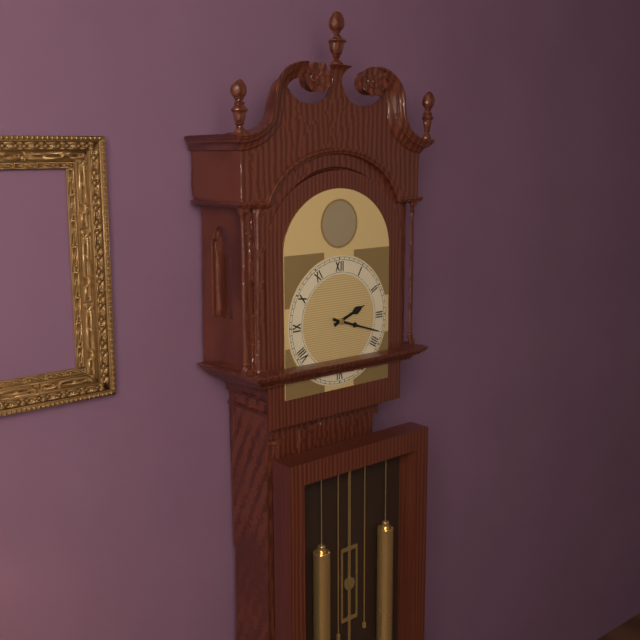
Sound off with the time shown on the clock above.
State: 2:18
